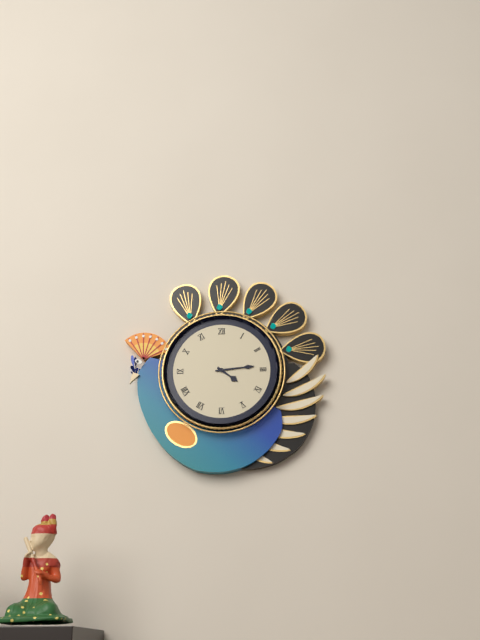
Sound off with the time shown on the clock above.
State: 4:14
